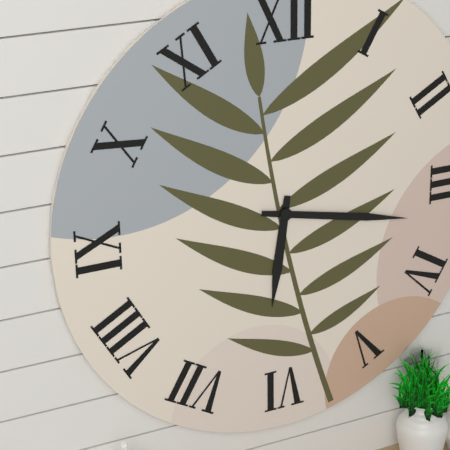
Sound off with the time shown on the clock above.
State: 6:17
